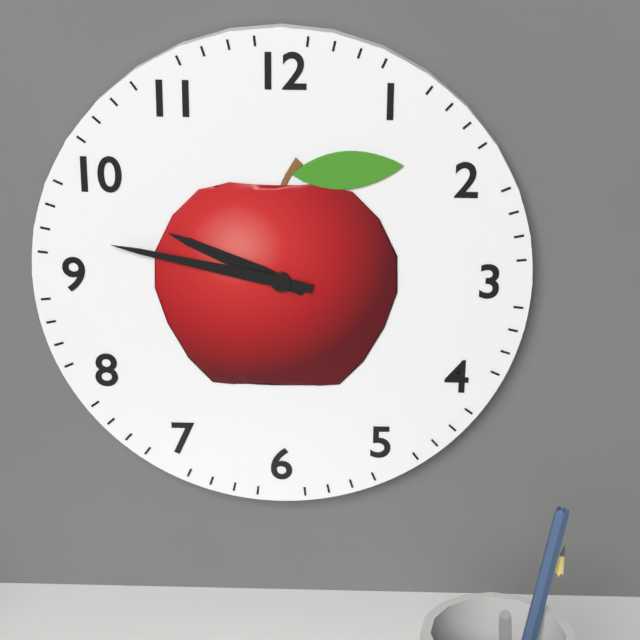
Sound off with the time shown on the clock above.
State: 9:47
